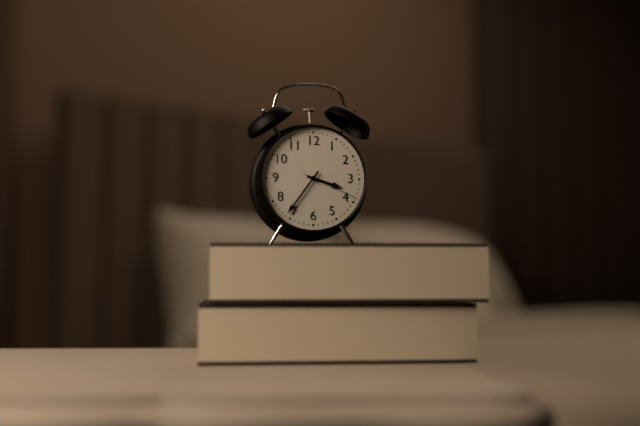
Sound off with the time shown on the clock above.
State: 3:36:19
